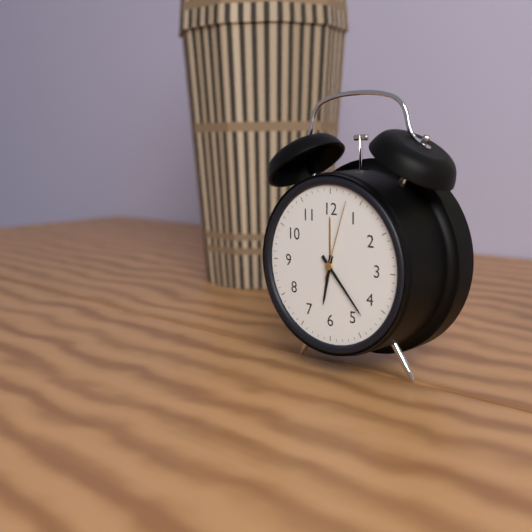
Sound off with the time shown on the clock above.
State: 6:23:03
